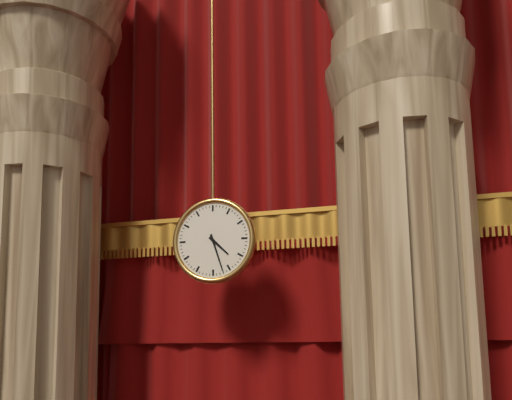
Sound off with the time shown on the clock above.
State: 4:27
